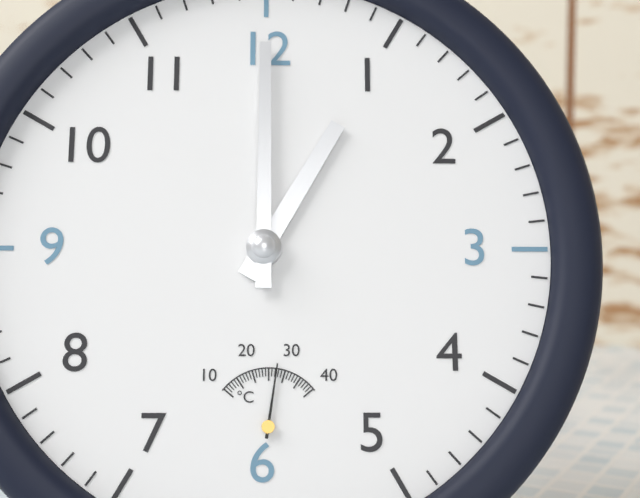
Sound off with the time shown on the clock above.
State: 1:00
